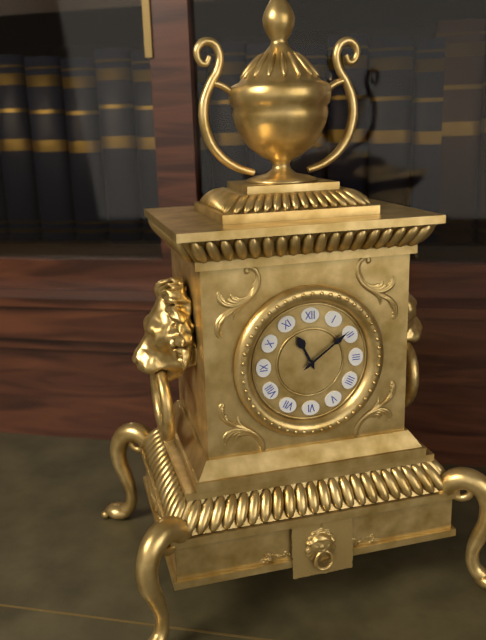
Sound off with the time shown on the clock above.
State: 11:09
